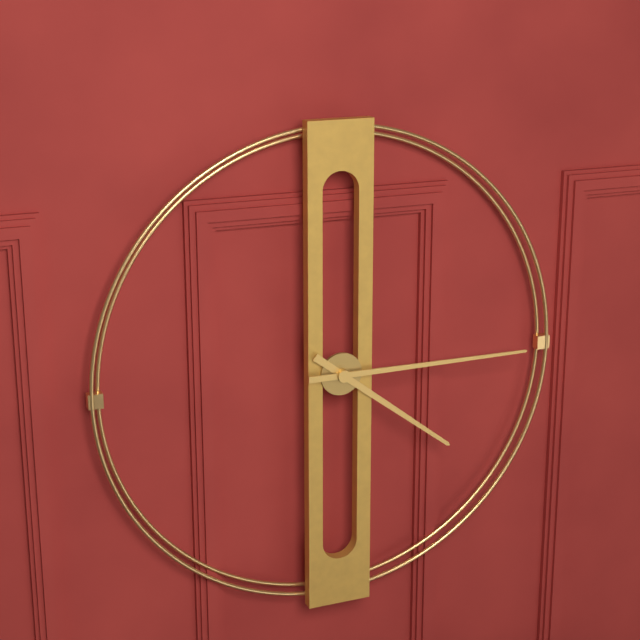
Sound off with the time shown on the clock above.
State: 4:15
